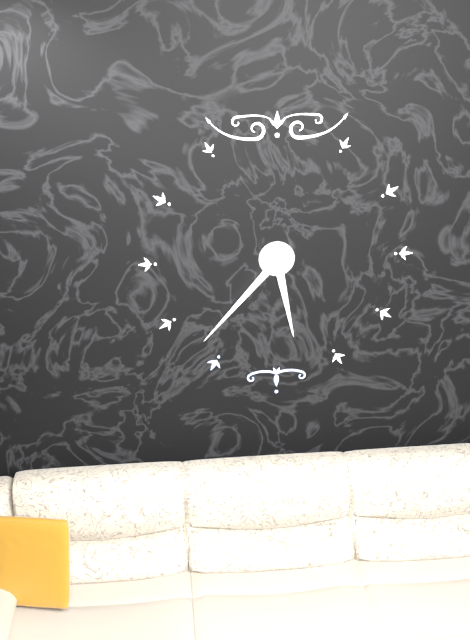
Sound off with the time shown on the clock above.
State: 5:37
